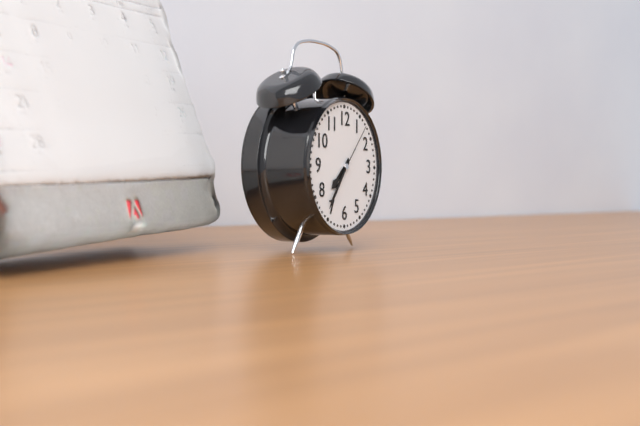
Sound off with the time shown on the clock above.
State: 7:36:07
